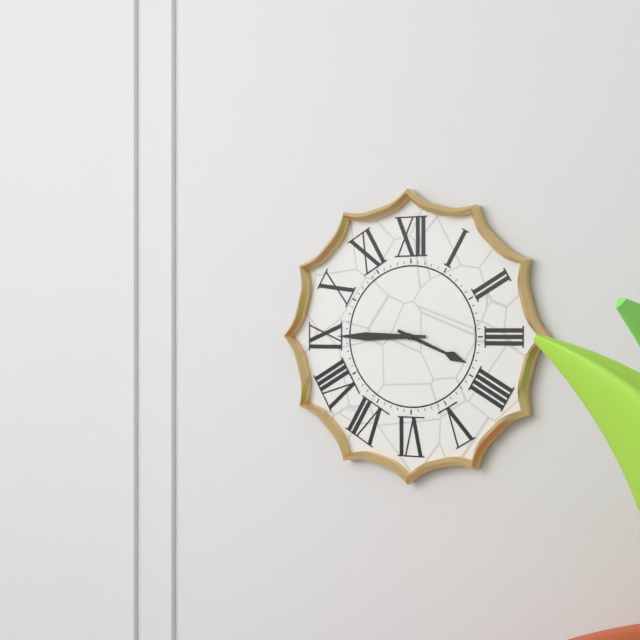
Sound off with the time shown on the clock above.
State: 3:45
